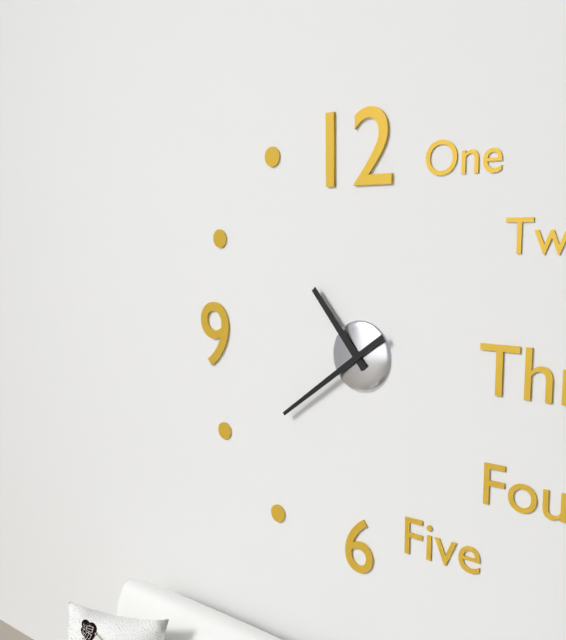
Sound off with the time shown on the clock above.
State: 10:39
